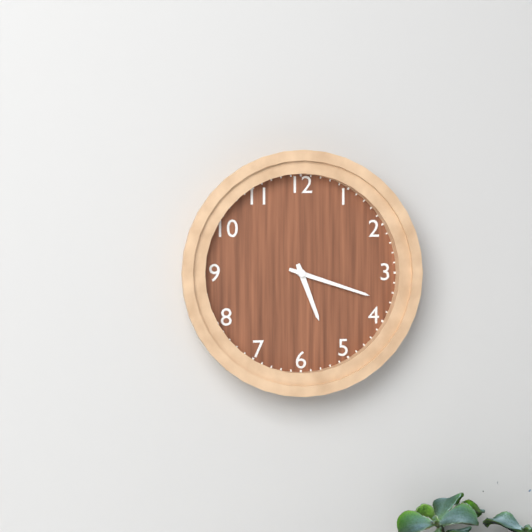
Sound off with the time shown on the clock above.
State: 5:18
